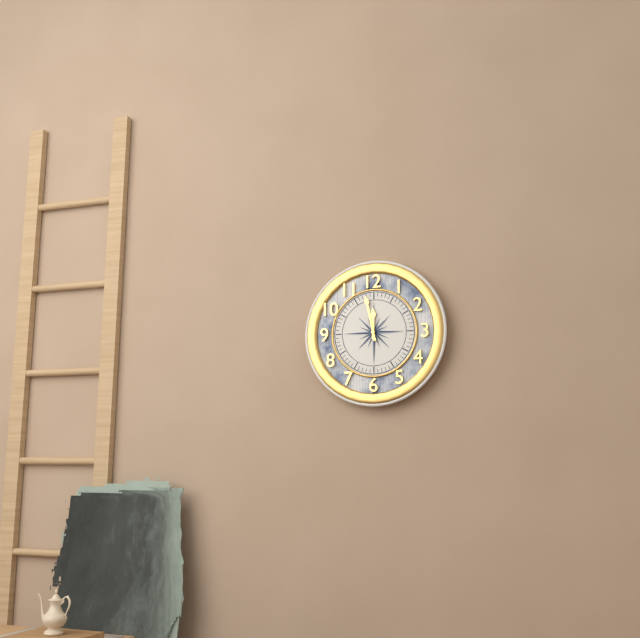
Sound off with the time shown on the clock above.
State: 11:58
